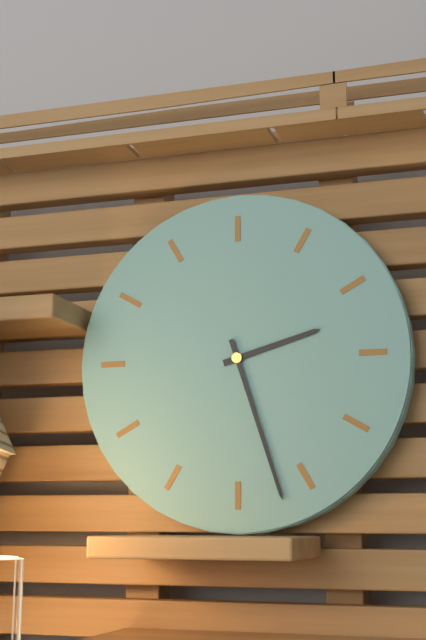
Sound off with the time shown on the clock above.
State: 2:27
